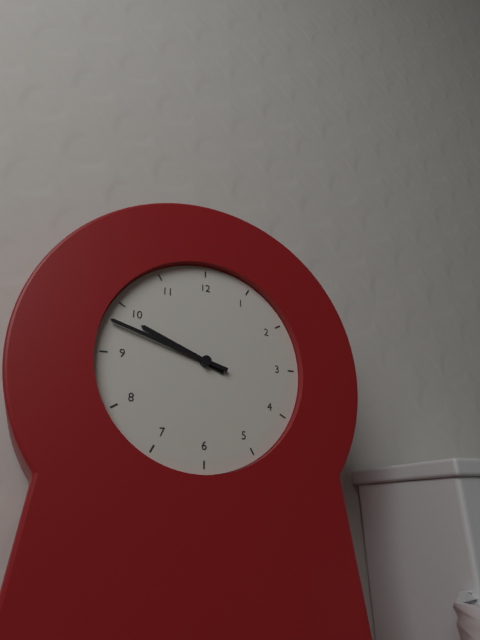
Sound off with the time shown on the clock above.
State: 9:48
